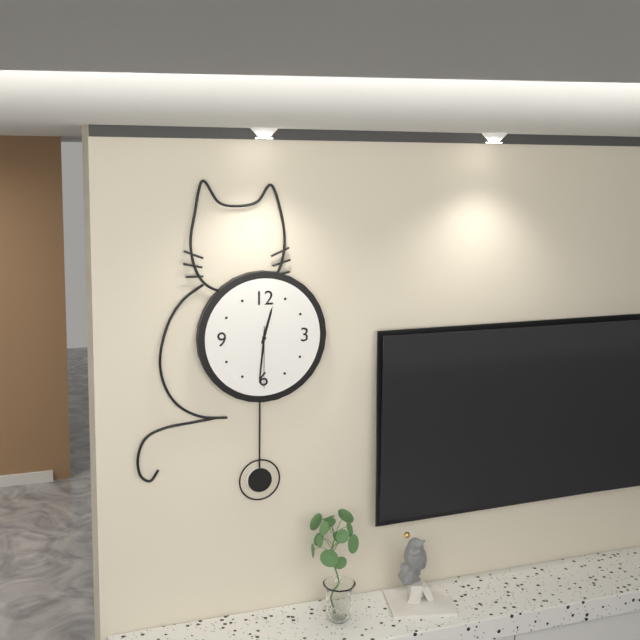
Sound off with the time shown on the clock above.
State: 12:31:30
